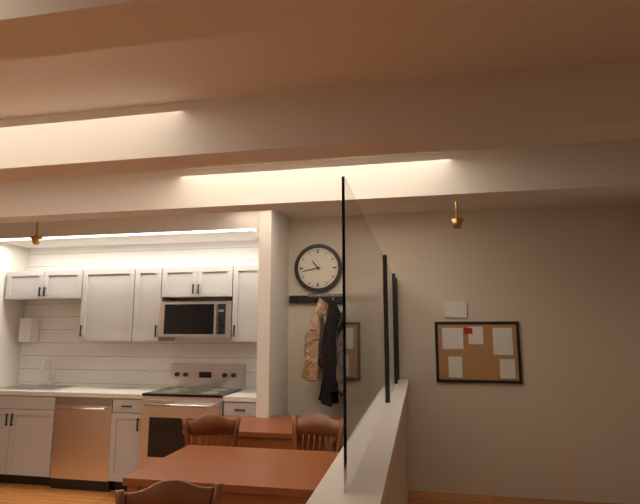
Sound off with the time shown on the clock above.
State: 10:43
